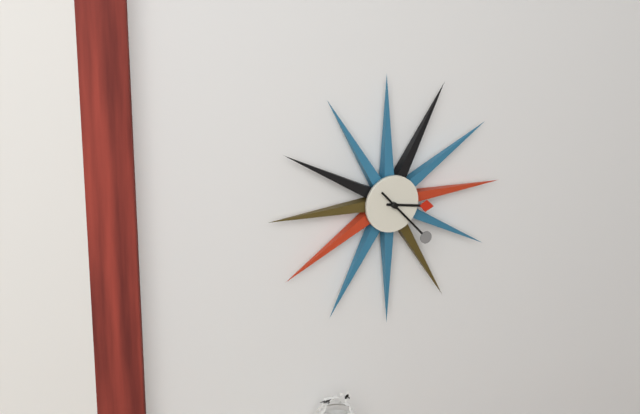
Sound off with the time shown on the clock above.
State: 3:23
